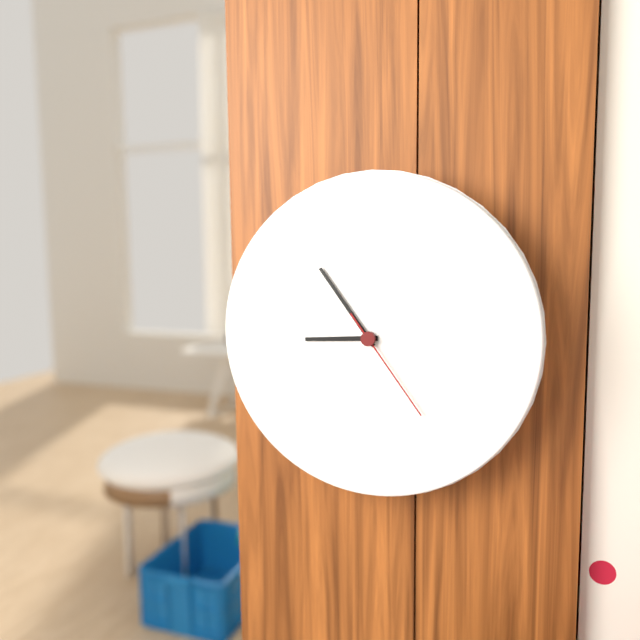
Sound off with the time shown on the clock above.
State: 8:54:24
